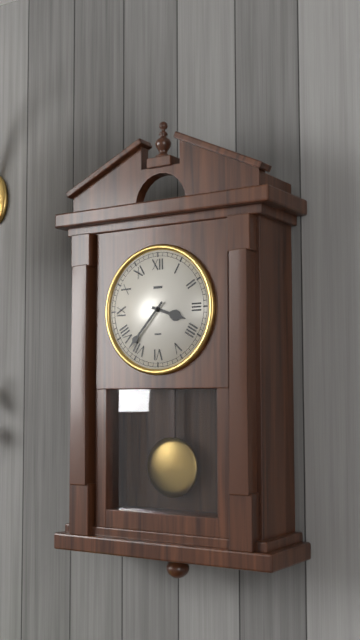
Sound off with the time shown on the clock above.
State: 3:37
